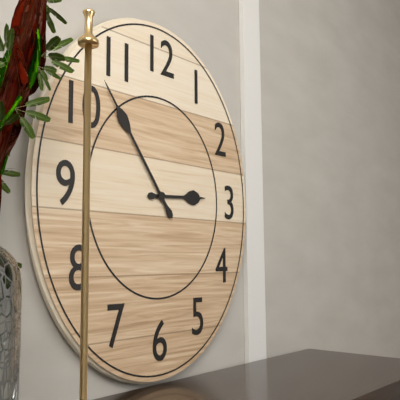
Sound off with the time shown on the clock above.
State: 2:54
